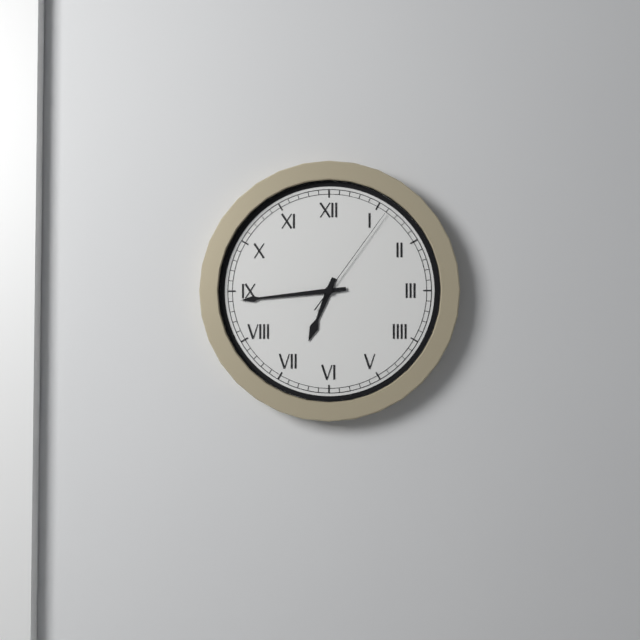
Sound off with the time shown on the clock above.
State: 6:44:06
